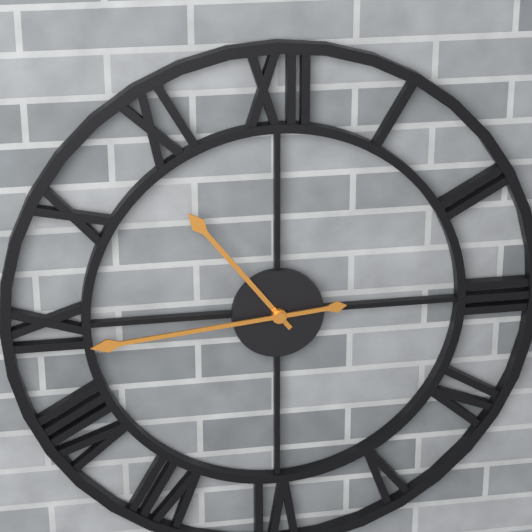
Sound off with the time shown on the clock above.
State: 10:44
